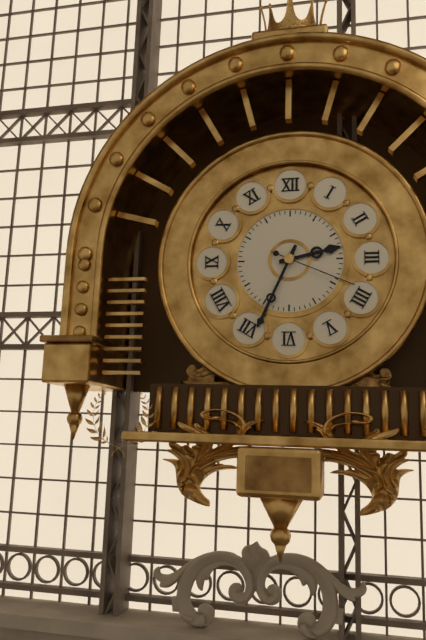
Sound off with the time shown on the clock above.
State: 2:34:19
